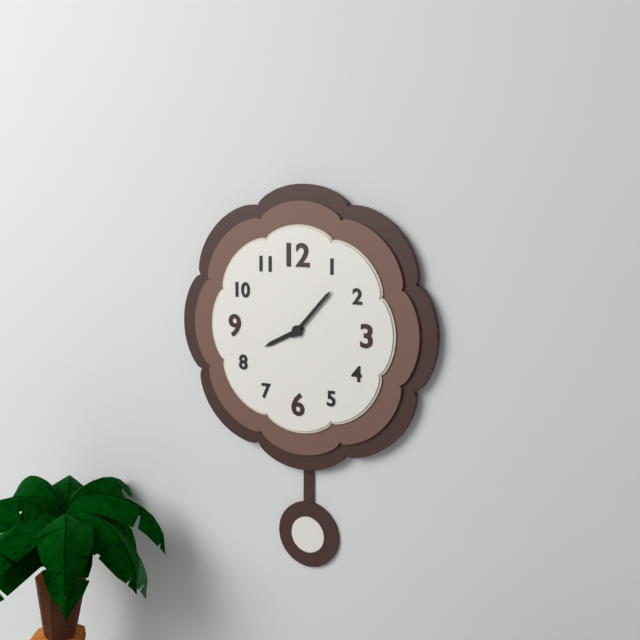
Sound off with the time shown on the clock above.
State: 8:07
